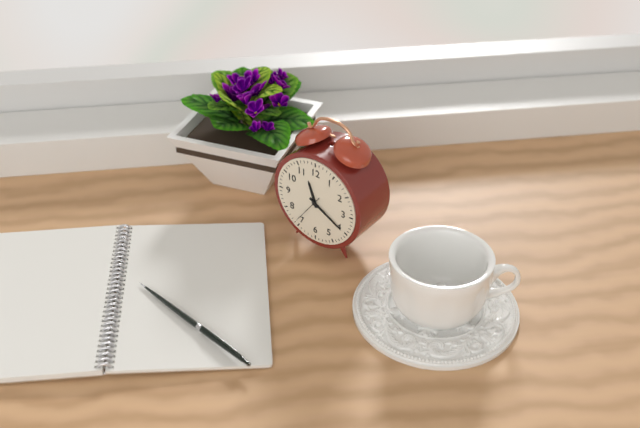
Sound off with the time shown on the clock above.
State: 11:20
